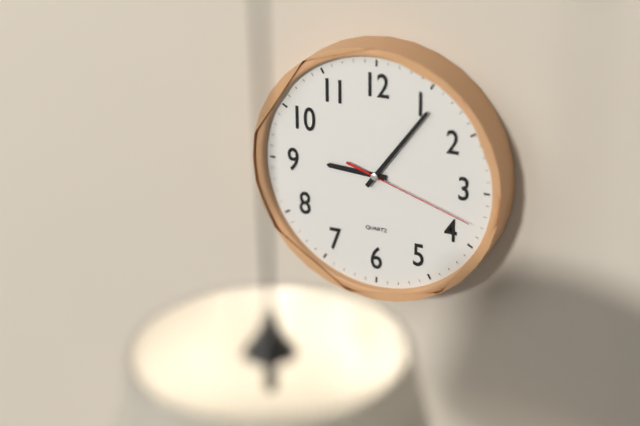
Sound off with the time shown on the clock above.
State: 9:06:18
